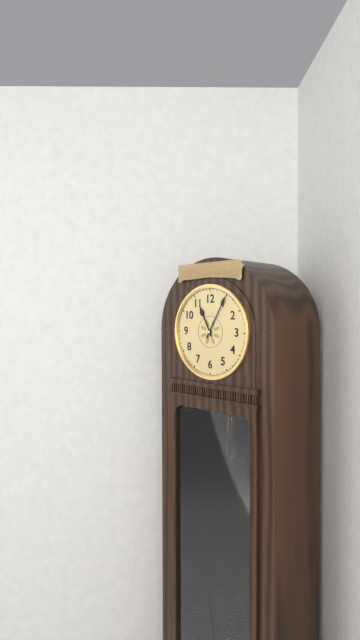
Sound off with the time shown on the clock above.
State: 11:05
